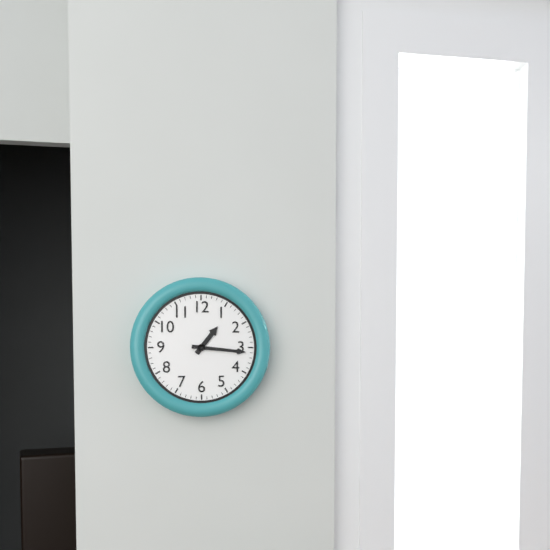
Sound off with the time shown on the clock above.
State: 1:16
